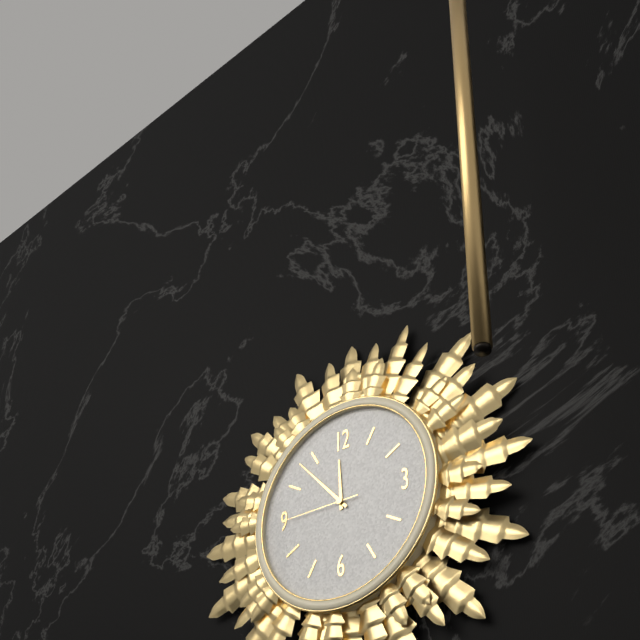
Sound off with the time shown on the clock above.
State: 11:53:45
